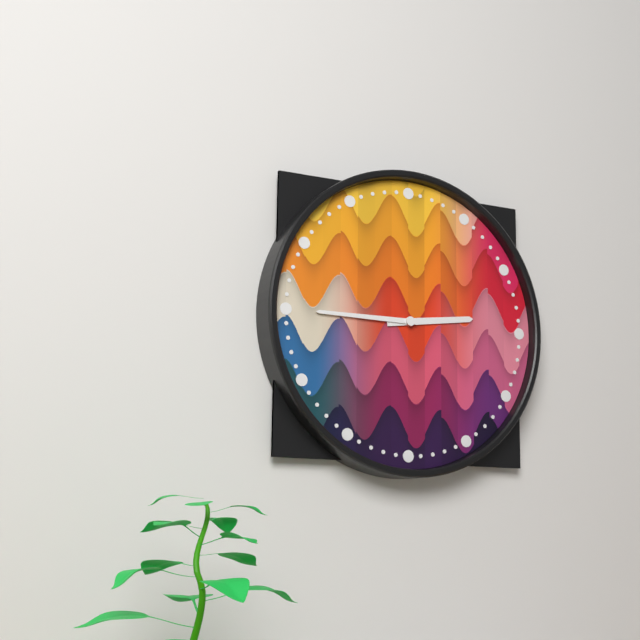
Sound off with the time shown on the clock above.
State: 2:45
